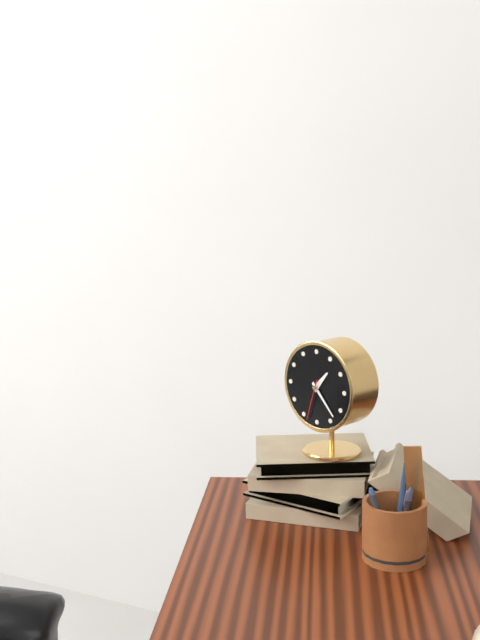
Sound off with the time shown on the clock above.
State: 1:23
